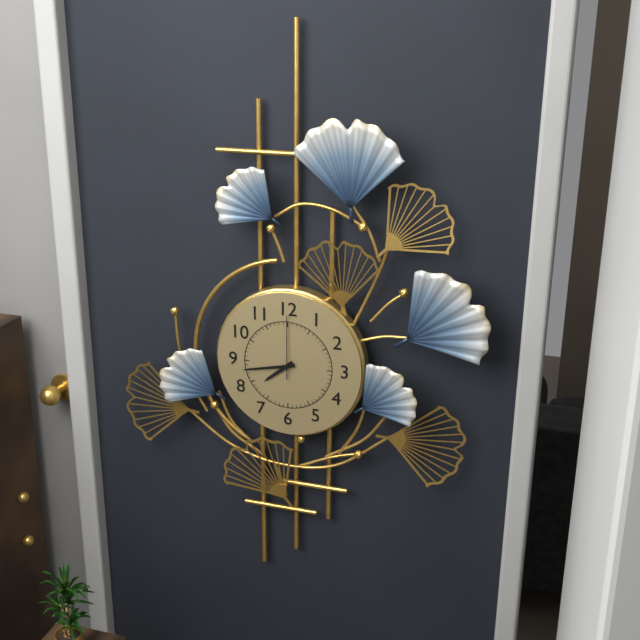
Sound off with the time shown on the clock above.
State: 7:43:00
